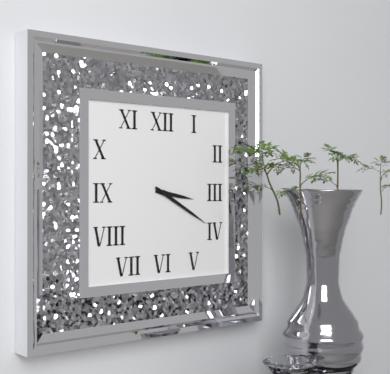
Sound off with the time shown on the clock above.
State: 3:20
